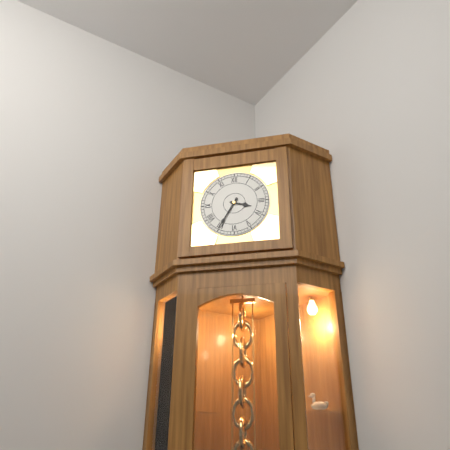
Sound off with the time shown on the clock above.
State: 3:35
